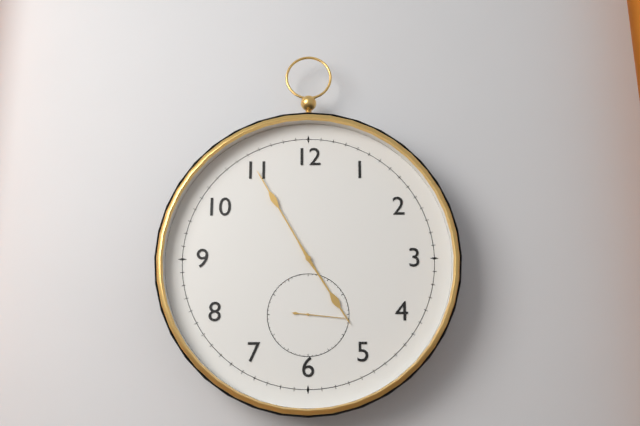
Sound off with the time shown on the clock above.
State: 4:55
